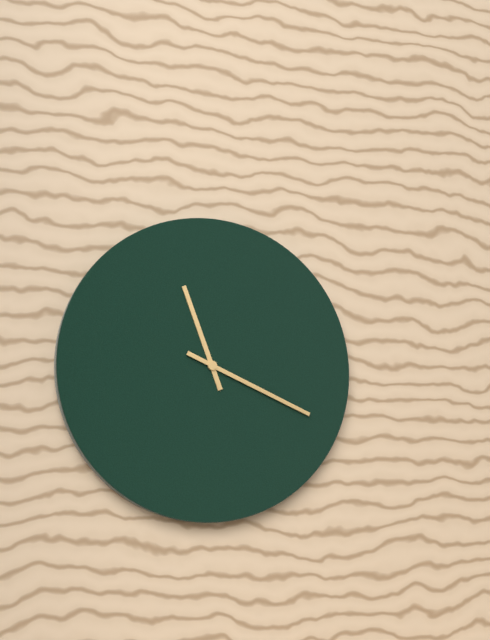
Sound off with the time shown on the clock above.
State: 11:19
